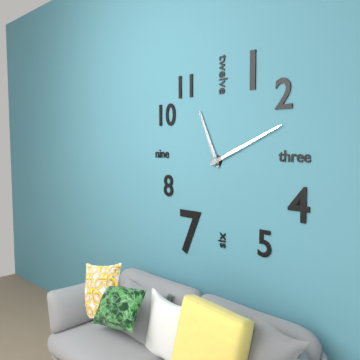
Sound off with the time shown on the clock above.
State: 11:11
